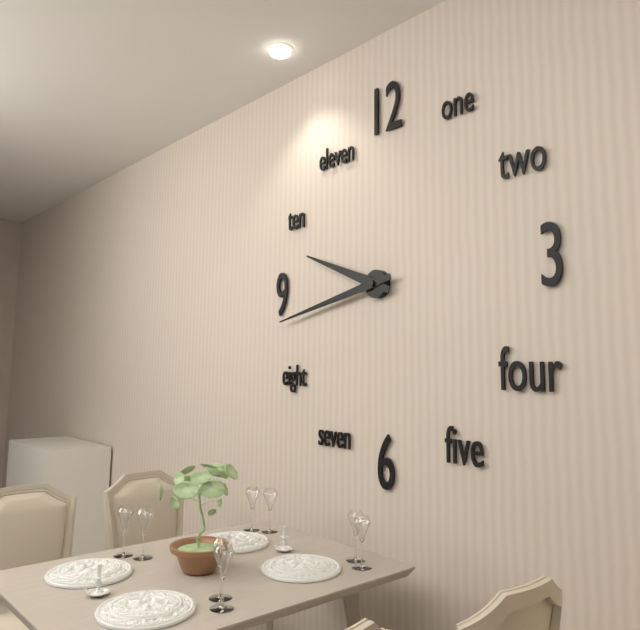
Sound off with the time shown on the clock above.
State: 9:43
